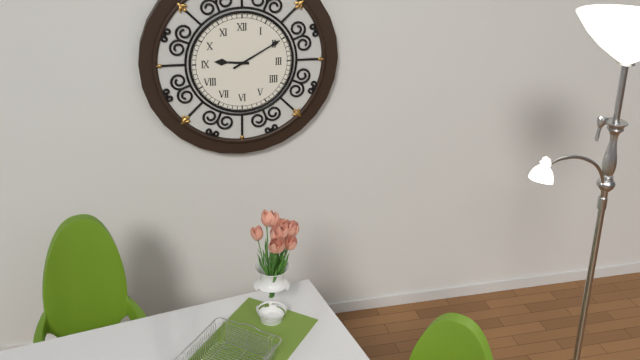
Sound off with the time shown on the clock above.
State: 9:10
